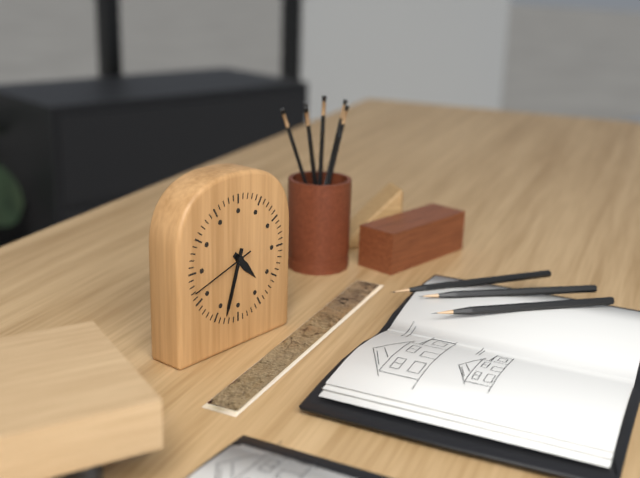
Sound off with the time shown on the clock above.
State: 4:33:42
